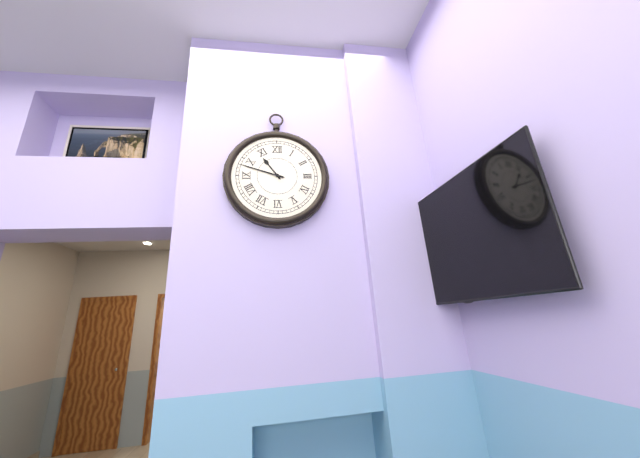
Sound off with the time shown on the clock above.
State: 10:48
